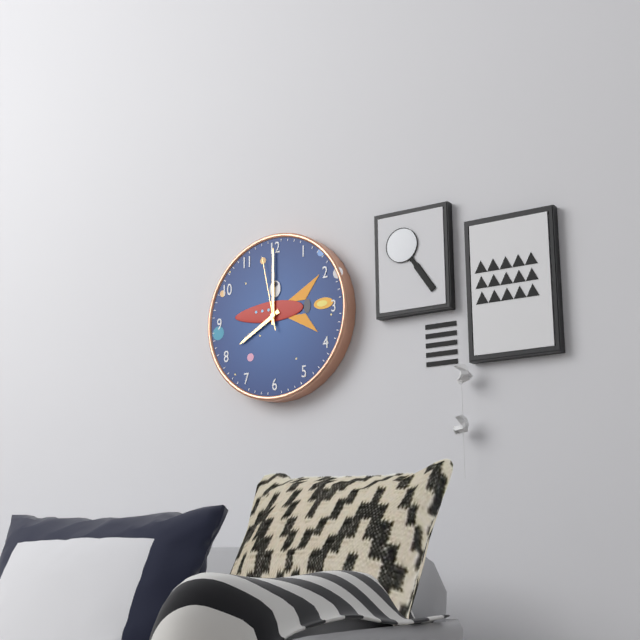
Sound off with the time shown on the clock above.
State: 8:00:58
